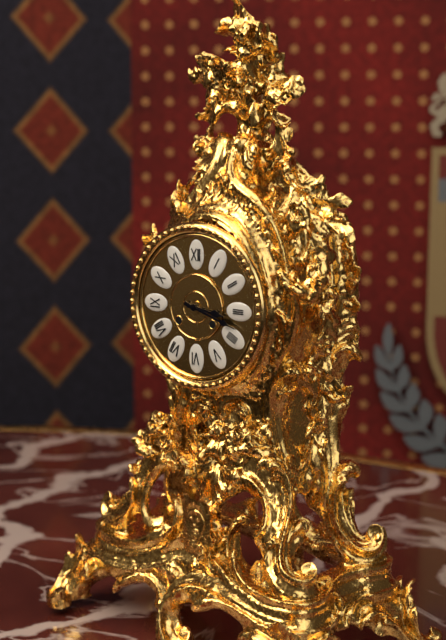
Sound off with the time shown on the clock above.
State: 3:18
